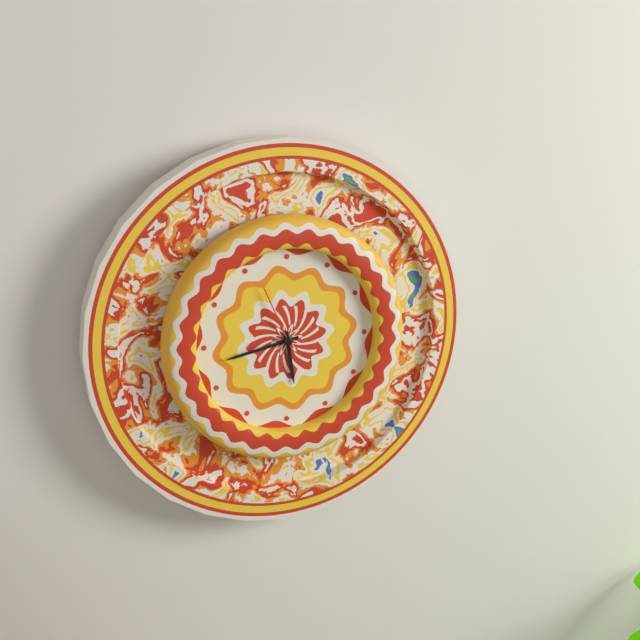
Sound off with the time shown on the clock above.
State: 5:43:56
